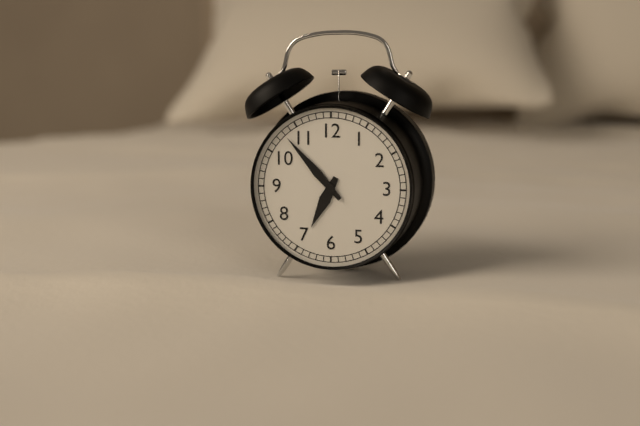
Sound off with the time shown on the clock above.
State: 6:53
